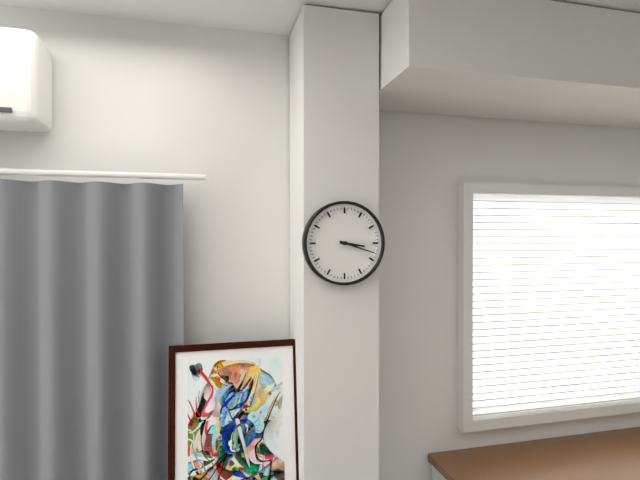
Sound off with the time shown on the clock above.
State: 3:18
